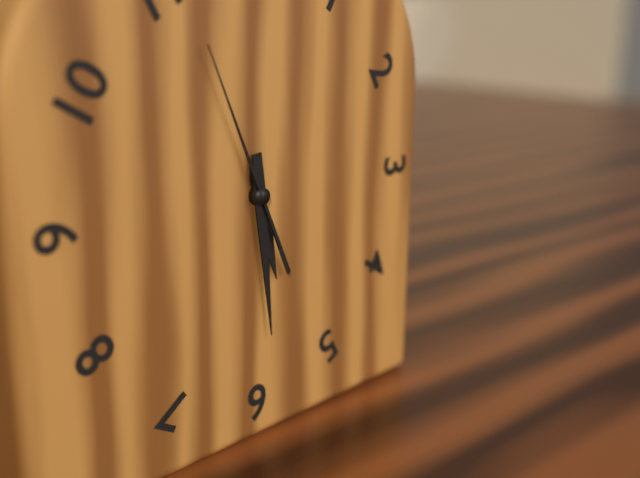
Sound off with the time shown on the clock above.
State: 5:29:56
